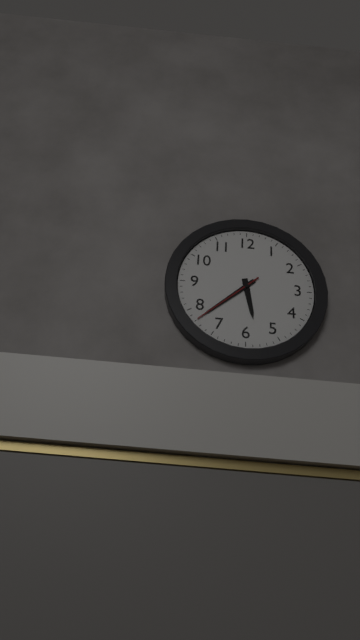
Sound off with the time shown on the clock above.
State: 5:38:38
